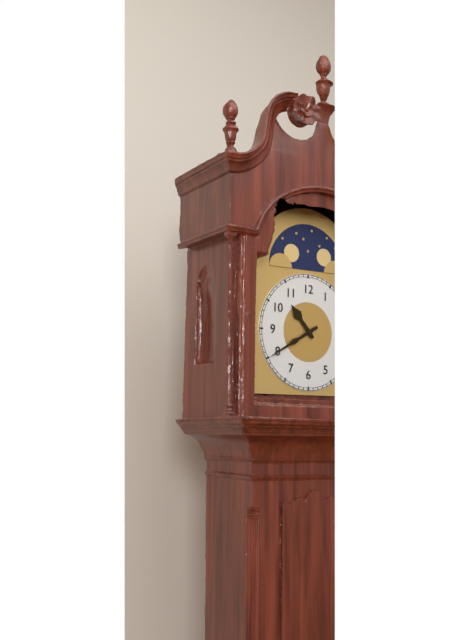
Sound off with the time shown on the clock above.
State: 10:40
